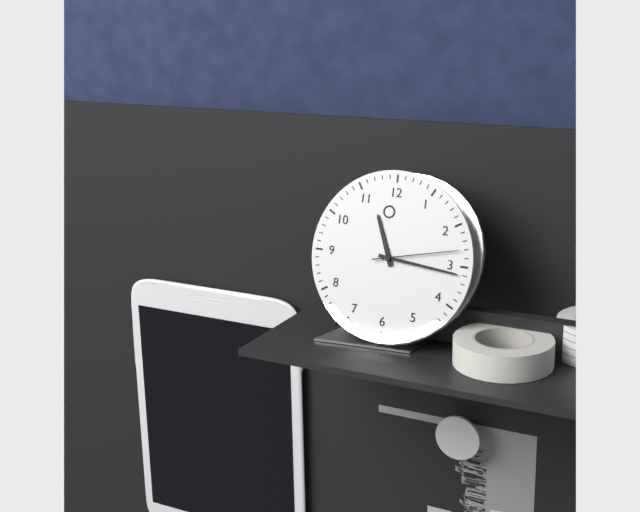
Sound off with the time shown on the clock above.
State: 11:16:13
